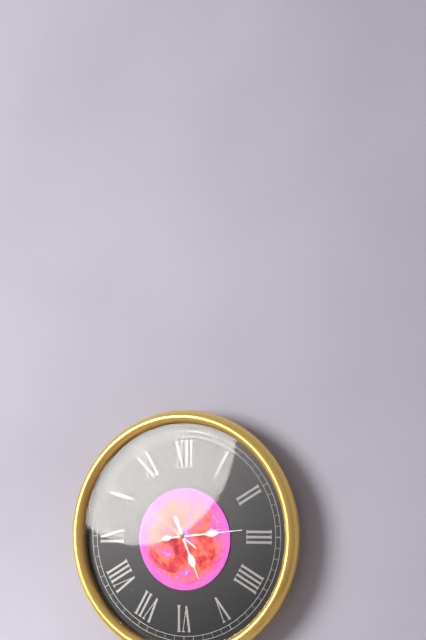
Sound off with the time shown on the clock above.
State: 5:14:51
